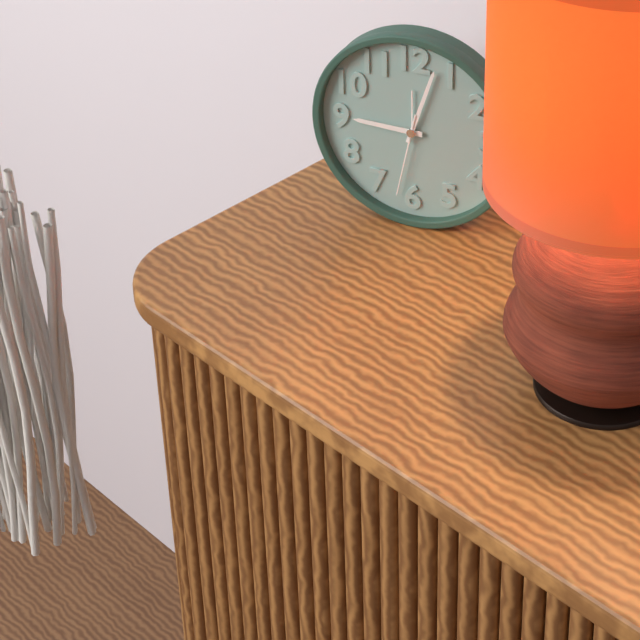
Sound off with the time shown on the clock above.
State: 9:03:32
